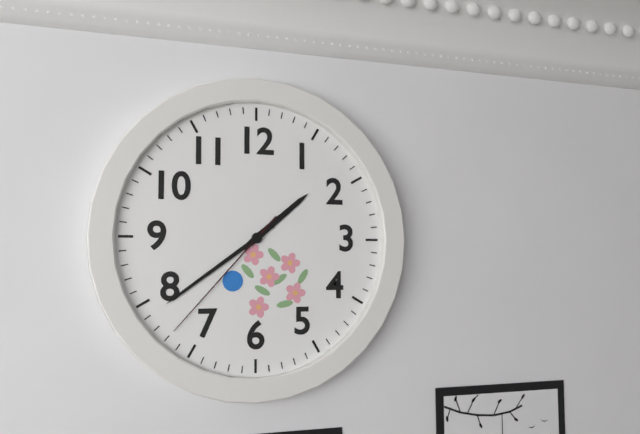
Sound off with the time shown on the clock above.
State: 1:39:37
